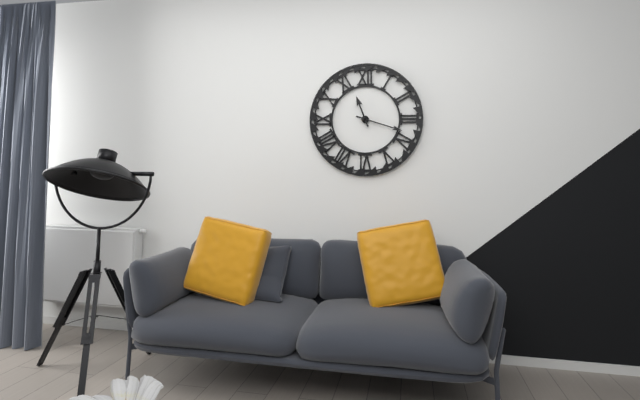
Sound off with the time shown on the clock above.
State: 11:18
